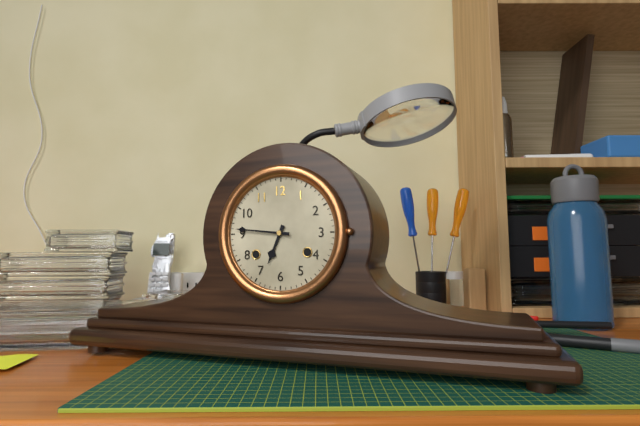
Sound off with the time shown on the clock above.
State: 6:46
